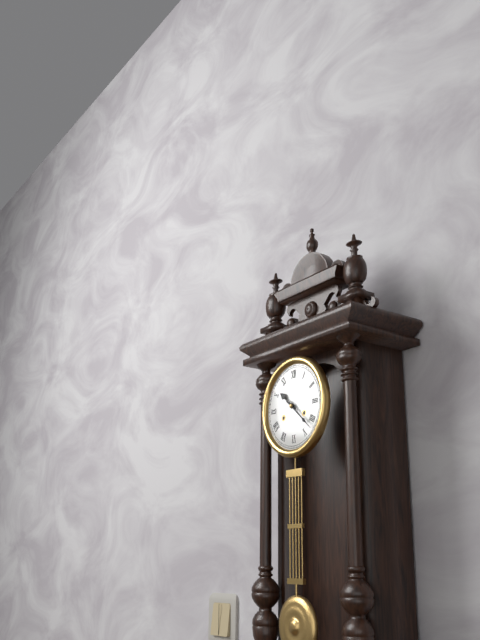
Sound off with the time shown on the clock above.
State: 10:22
